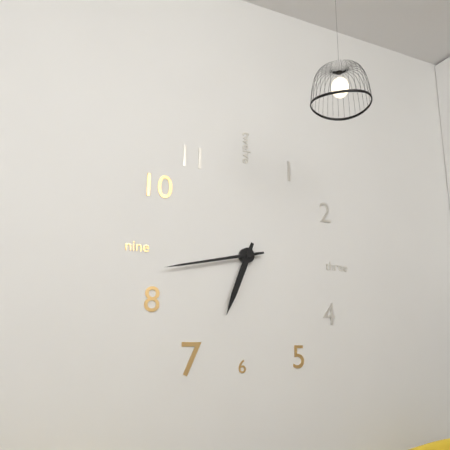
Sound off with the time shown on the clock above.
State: 6:43
